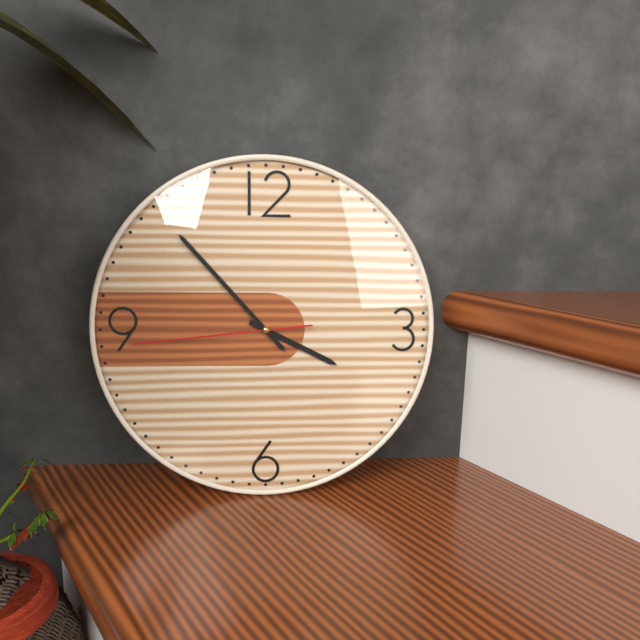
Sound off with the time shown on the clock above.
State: 3:53:44
